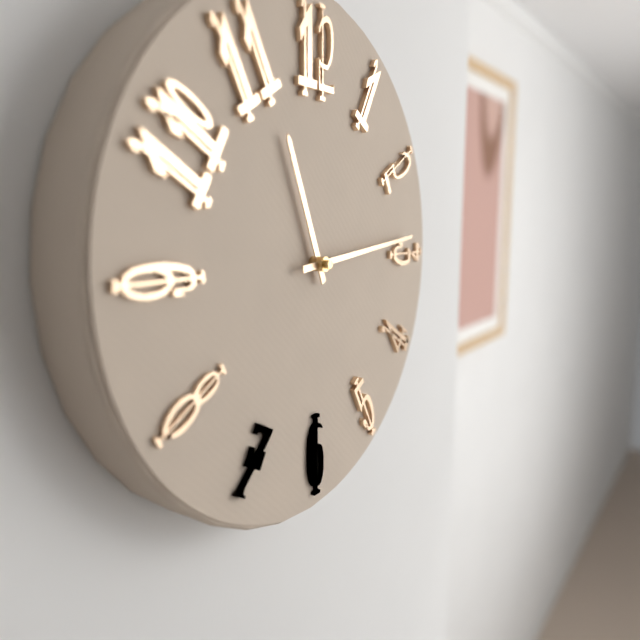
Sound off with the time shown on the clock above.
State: 11:14
